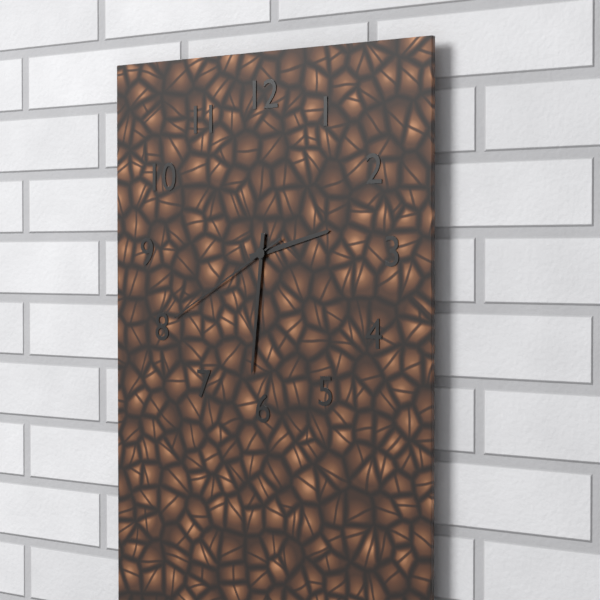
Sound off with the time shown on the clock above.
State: 2:31:40
